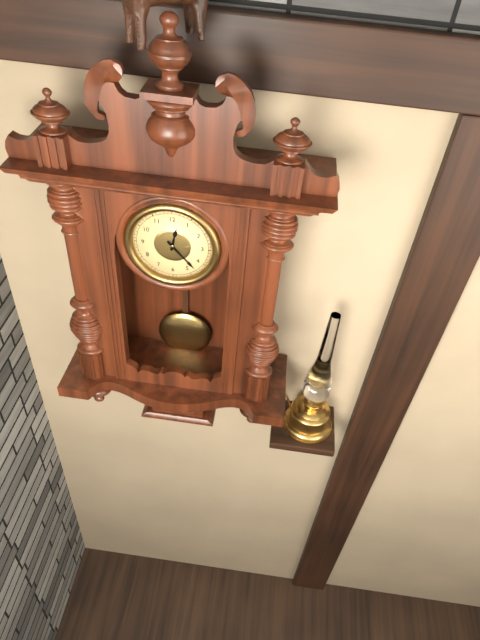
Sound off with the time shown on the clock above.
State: 12:23
